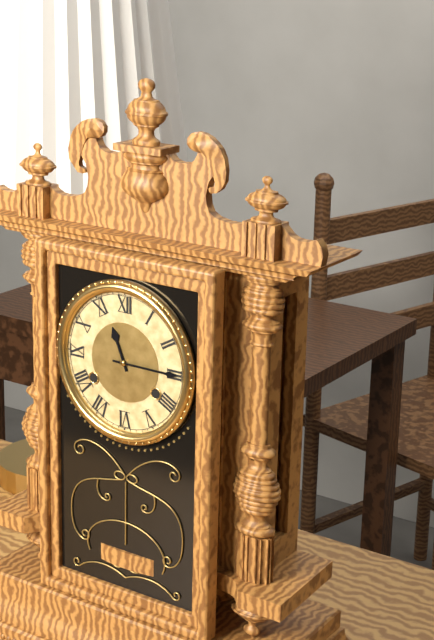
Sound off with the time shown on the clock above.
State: 11:15
